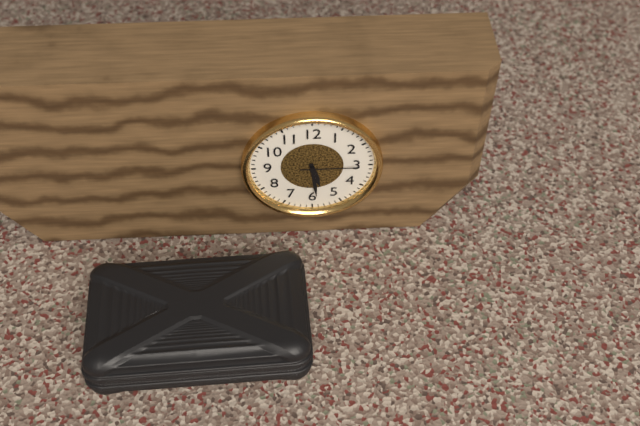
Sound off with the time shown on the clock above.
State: 5:29:15
